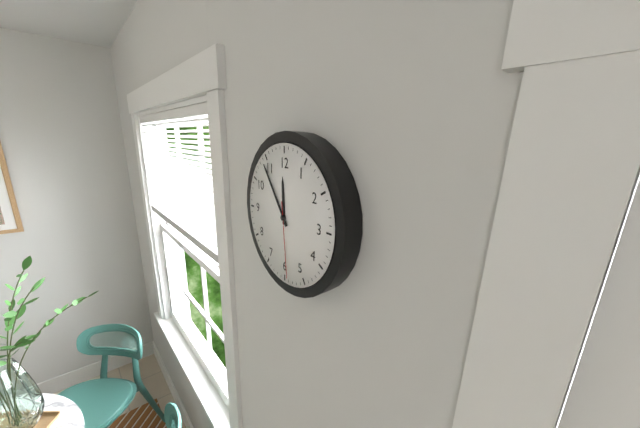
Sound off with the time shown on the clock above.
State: 11:54:29
